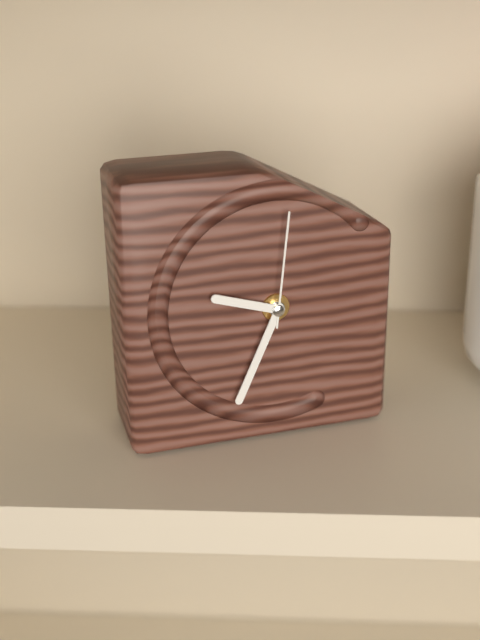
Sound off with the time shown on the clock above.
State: 9:34:01
